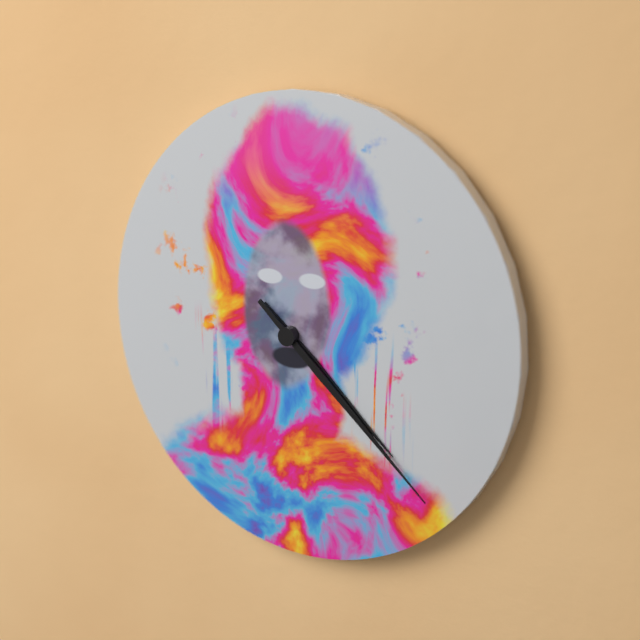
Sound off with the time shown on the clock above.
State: 4:22
